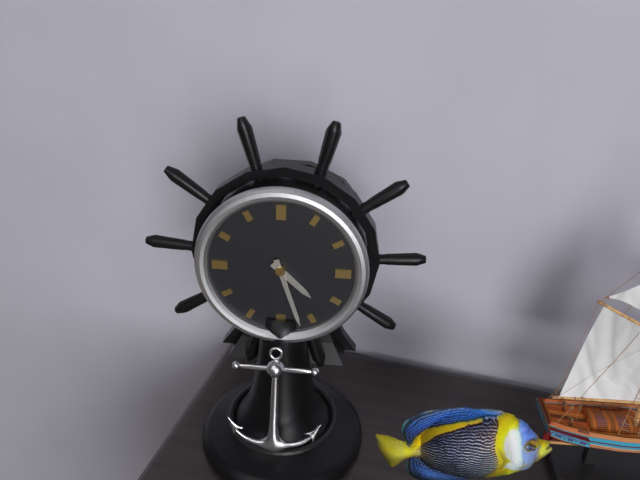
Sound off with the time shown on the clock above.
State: 4:27
